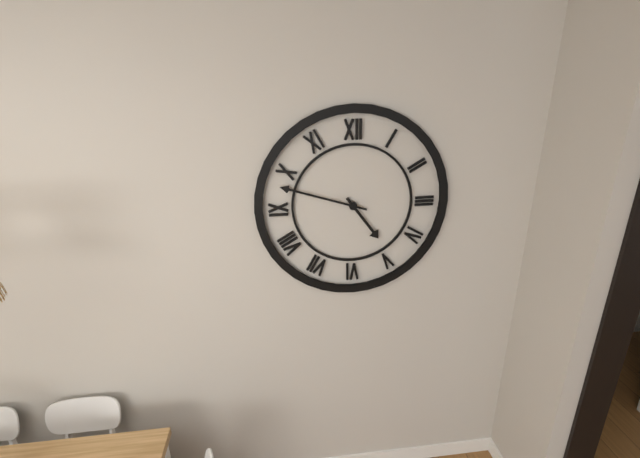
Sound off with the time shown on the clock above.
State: 4:48
